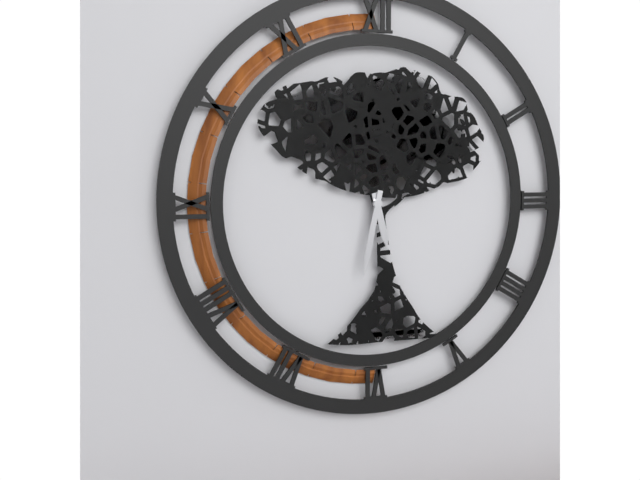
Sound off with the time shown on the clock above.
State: 5:32
